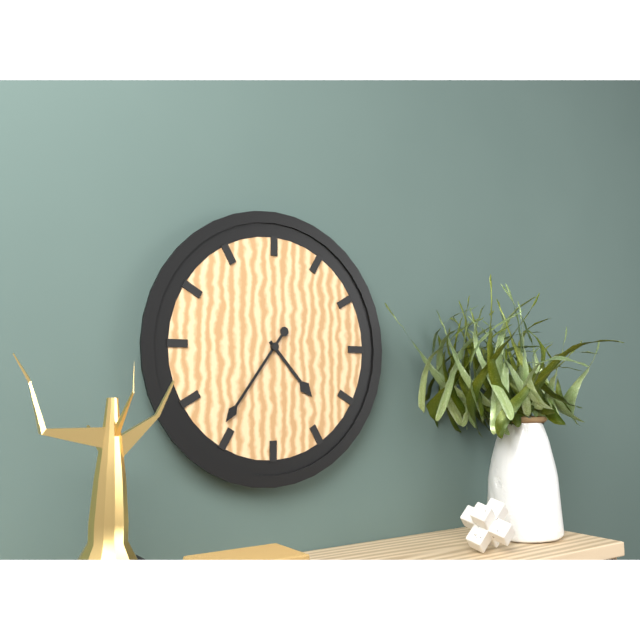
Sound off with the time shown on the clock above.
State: 4:36
